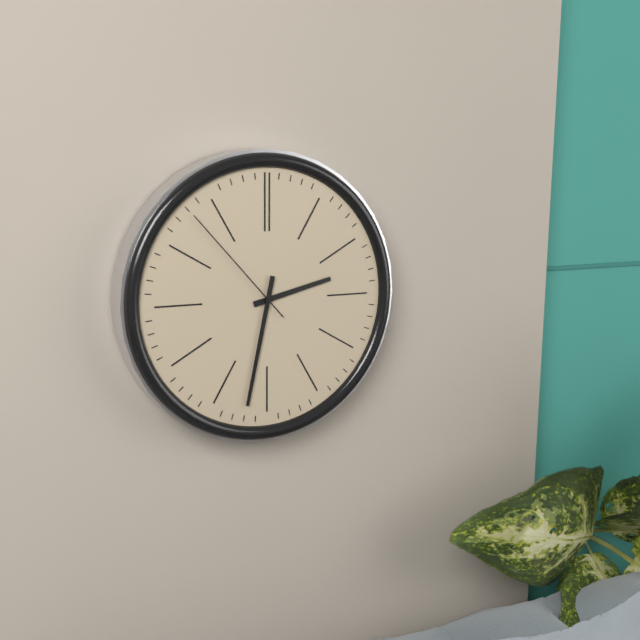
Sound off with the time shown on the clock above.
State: 2:32:53
